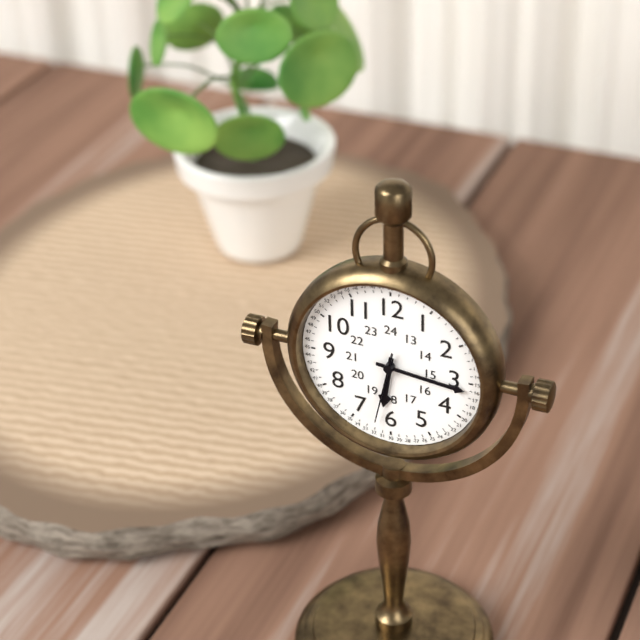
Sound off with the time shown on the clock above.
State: 6:16:32
